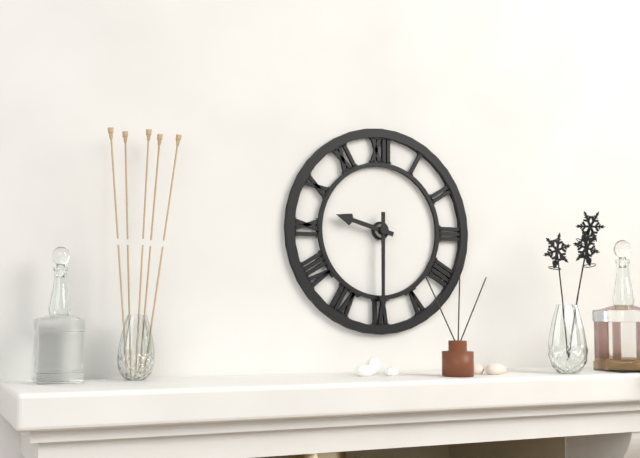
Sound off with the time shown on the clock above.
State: 9:30
